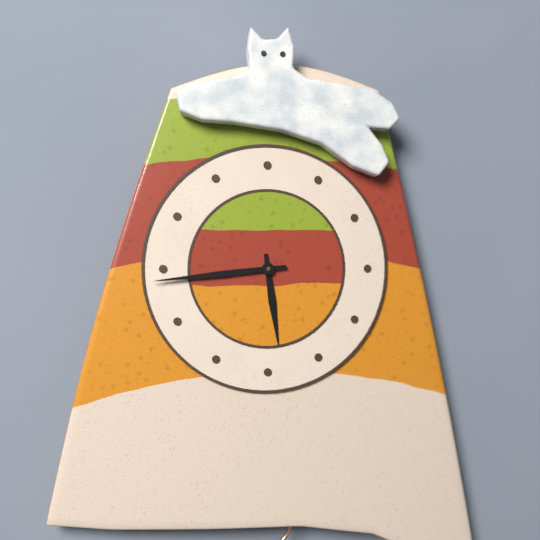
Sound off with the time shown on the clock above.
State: 5:44
